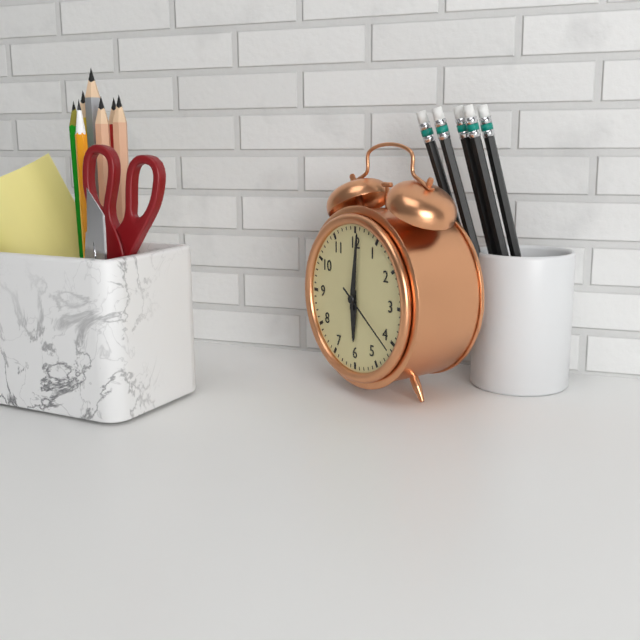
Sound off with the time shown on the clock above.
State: 6:01:21
